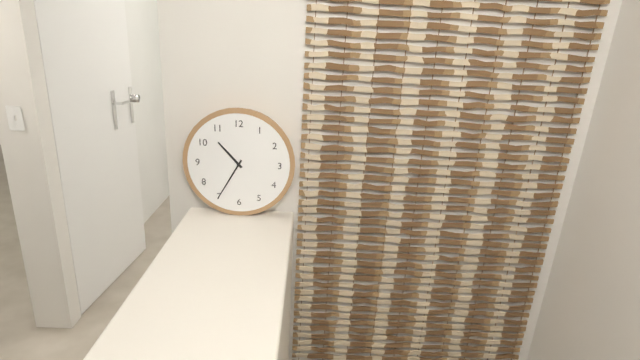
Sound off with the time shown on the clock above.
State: 10:35
